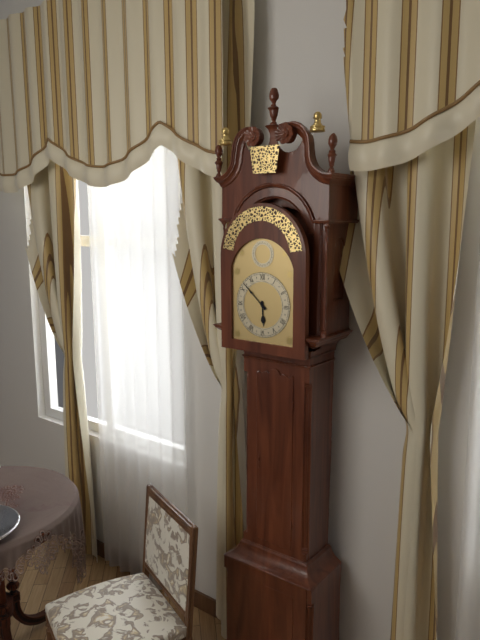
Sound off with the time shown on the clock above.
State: 5:52
